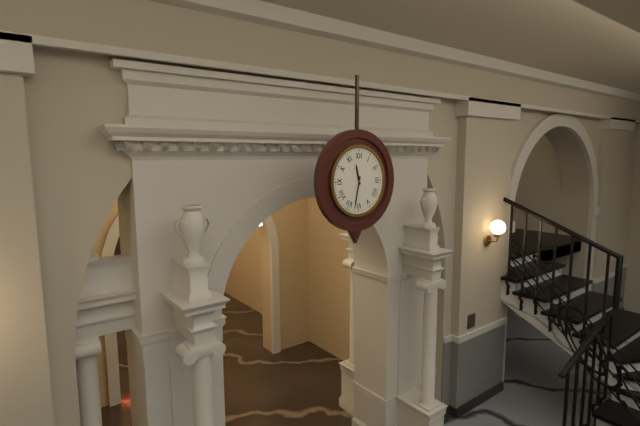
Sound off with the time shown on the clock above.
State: 11:32
